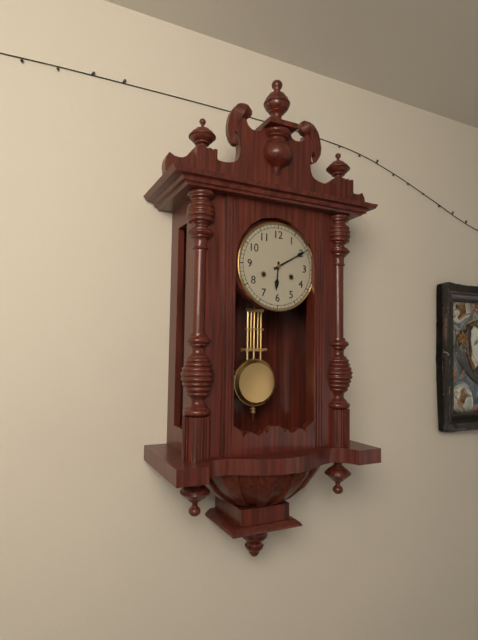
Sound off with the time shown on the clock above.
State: 6:10
